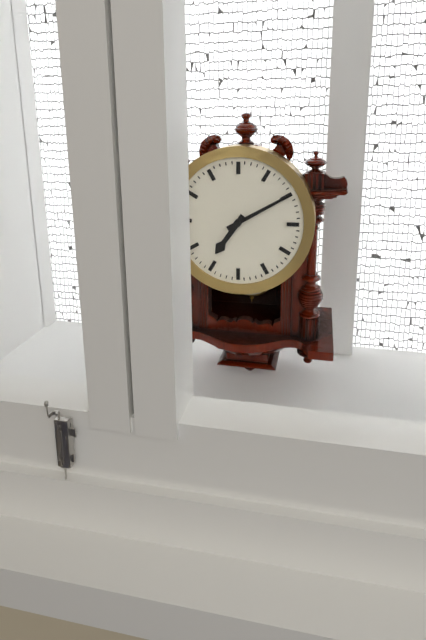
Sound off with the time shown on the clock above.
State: 7:10
